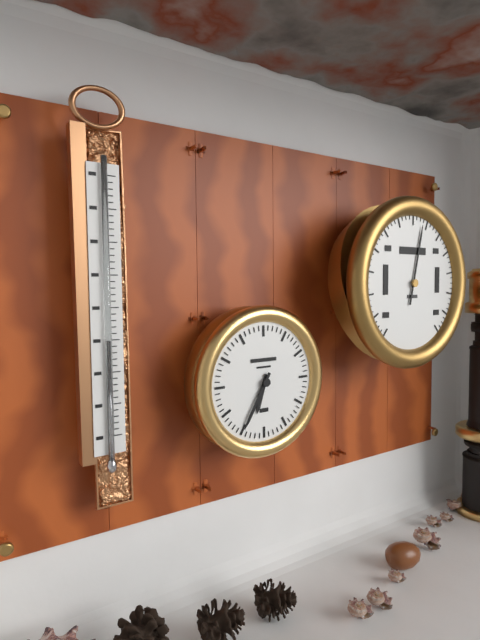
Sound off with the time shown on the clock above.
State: 6:35
